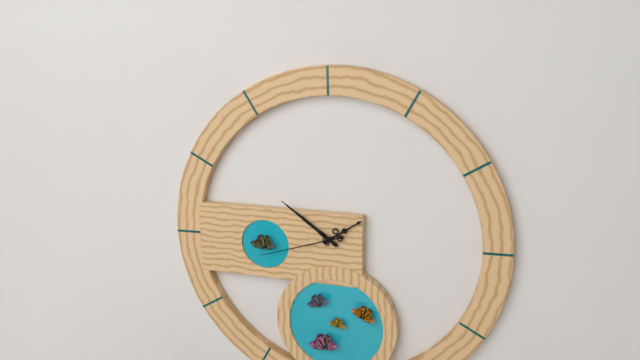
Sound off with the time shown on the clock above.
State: 1:51:42
